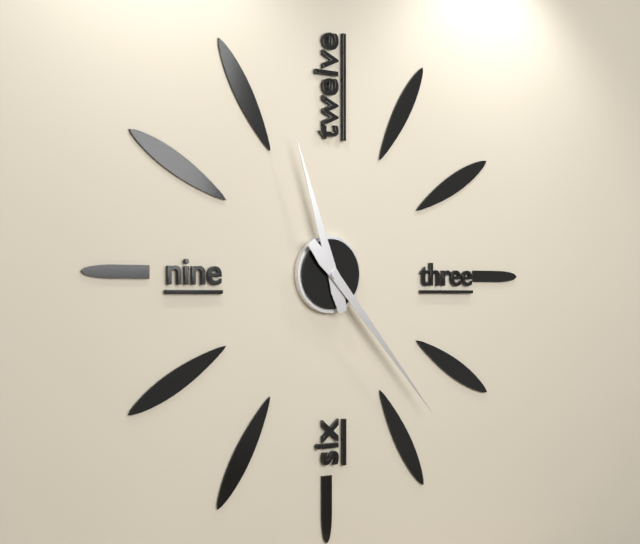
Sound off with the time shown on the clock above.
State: 11:23
